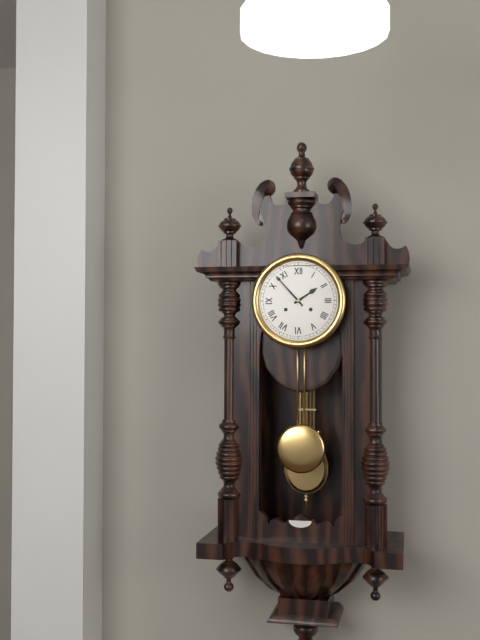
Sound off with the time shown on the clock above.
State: 1:53
